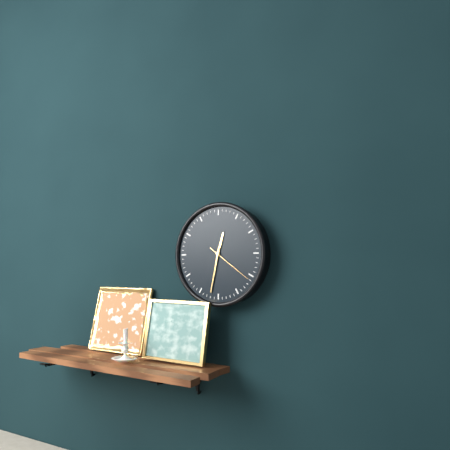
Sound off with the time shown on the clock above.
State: 12:32
